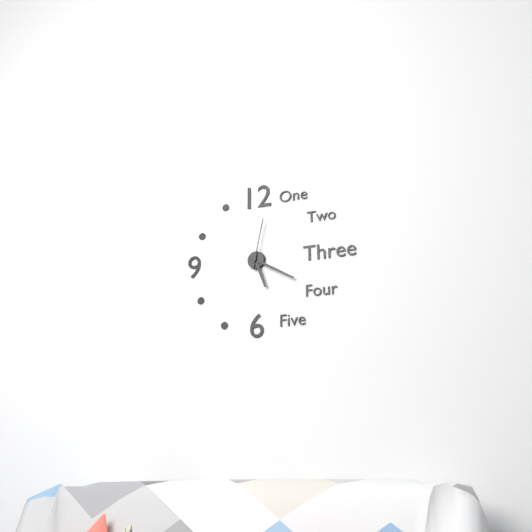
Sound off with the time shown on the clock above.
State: 5:20:02
